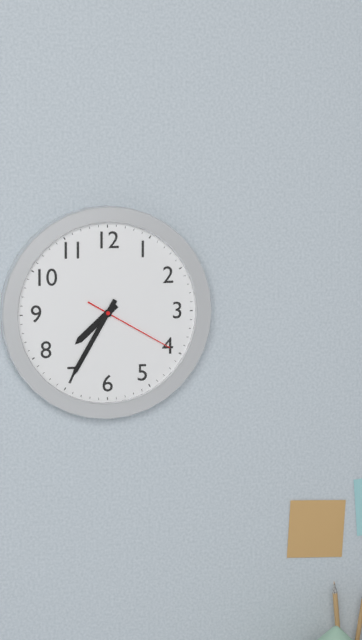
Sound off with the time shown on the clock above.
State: 7:35:20
